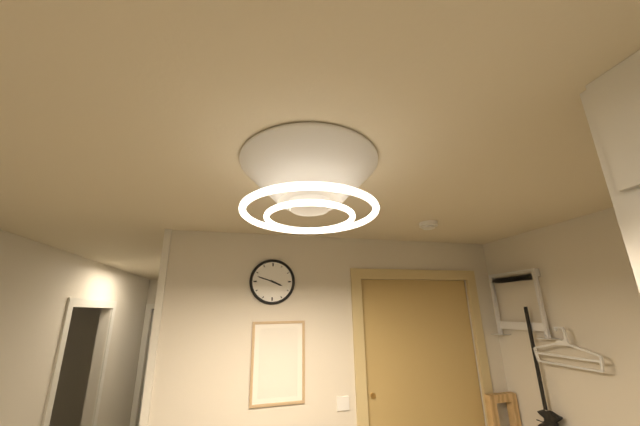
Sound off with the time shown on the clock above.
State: 3:48
